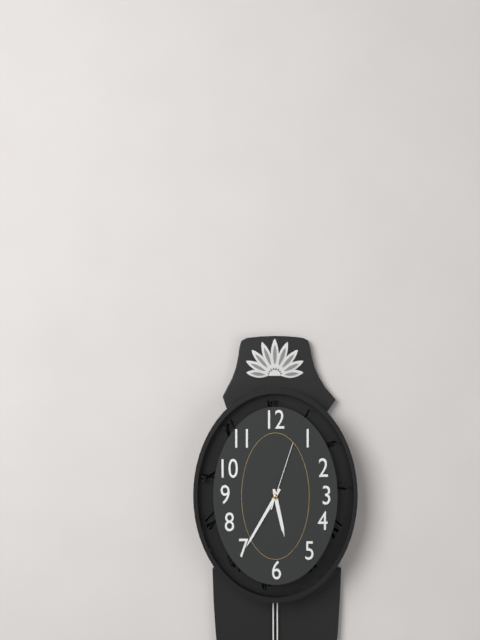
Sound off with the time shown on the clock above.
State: 5:35:03
